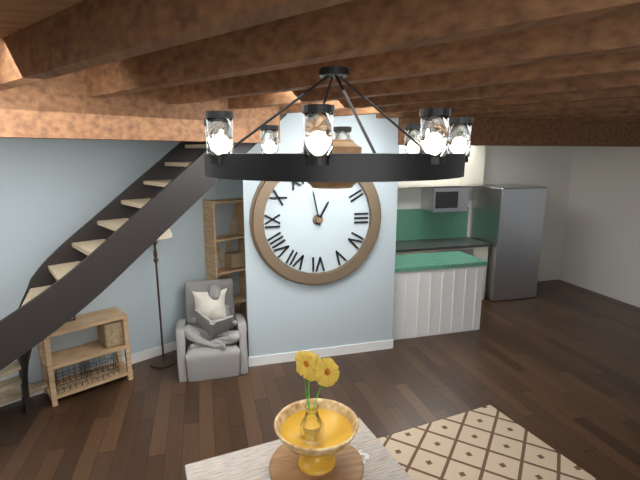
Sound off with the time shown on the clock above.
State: 12:58
